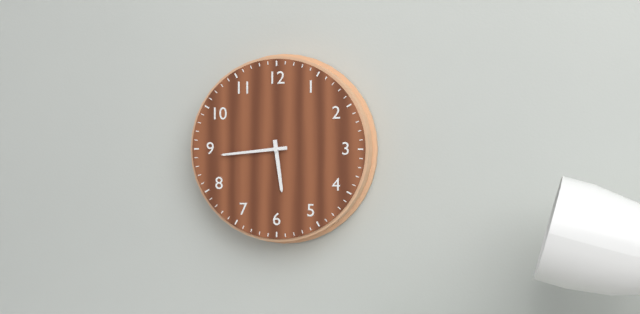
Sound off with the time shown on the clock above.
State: 5:44
